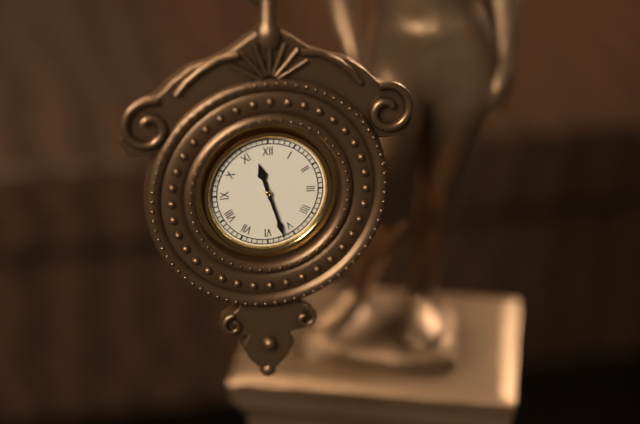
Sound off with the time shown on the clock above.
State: 11:27
